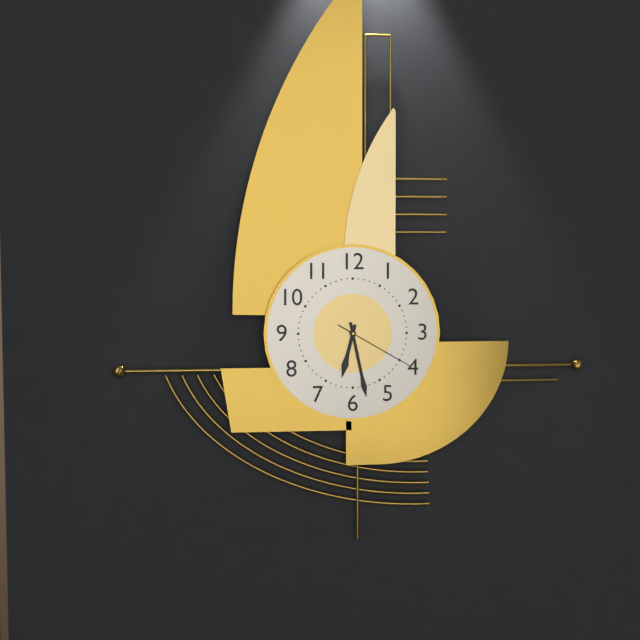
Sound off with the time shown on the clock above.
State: 6:28:20
